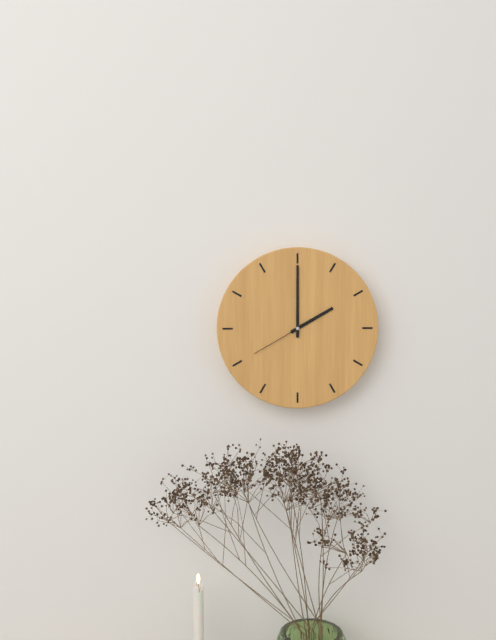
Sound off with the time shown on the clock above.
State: 2:00:40
